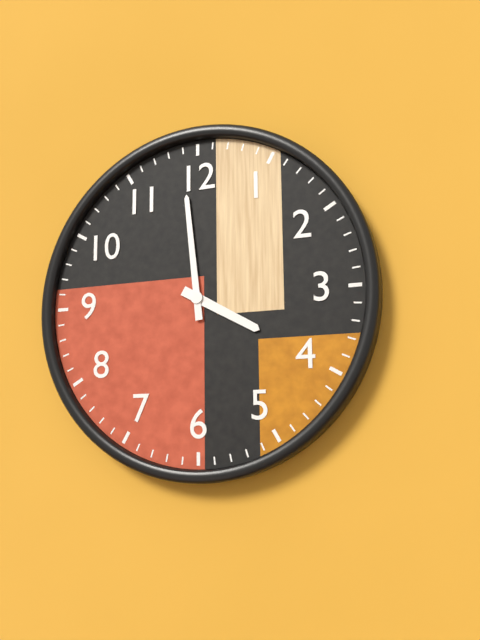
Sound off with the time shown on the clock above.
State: 3:59
